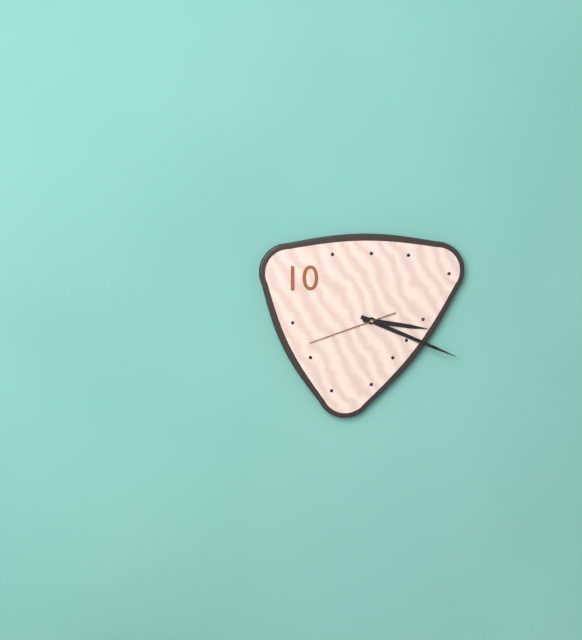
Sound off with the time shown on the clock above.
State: 3:19:42
